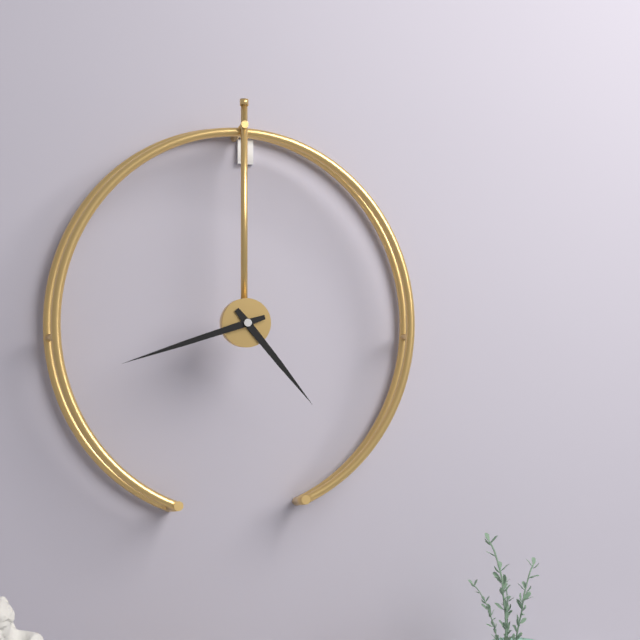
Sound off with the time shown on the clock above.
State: 4:42
